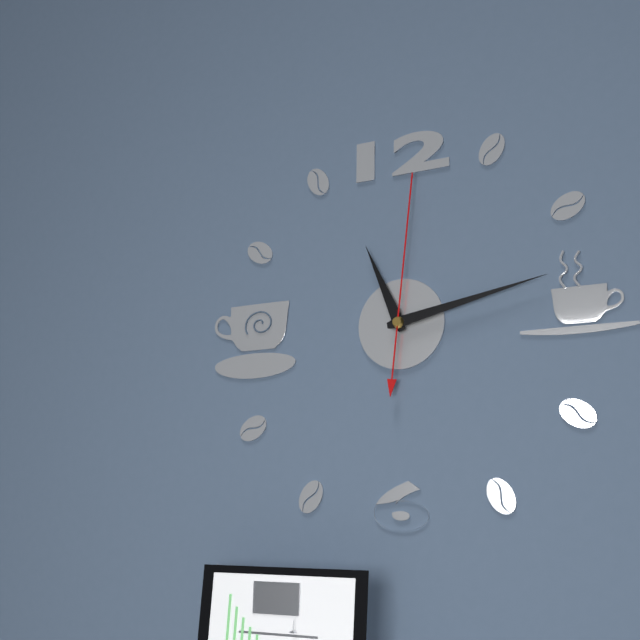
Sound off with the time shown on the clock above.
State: 11:13:01
